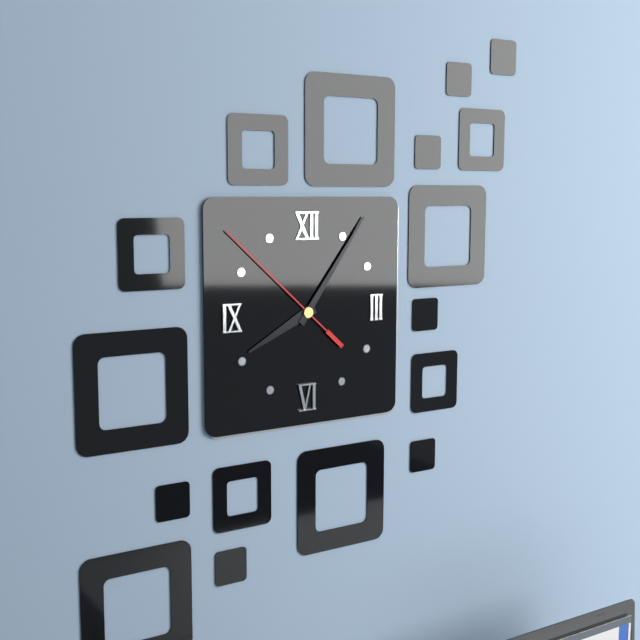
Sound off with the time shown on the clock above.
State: 8:06:52
